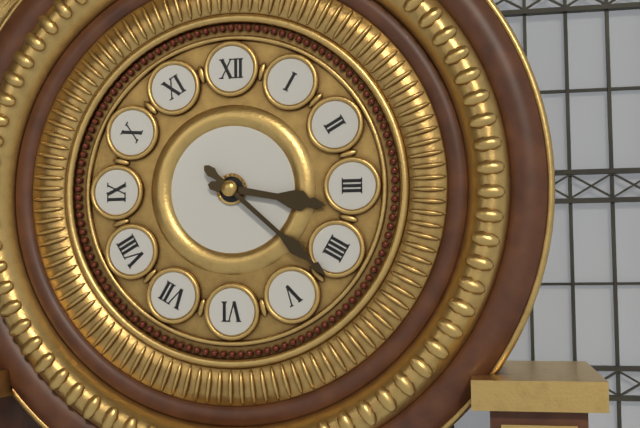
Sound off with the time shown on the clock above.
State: 3:22
